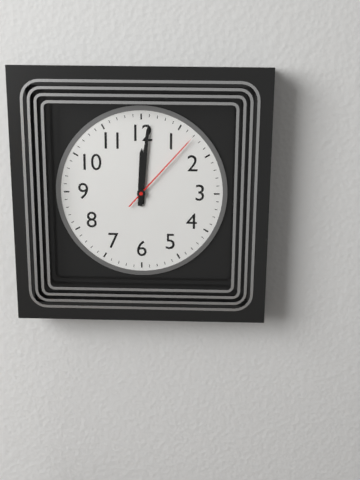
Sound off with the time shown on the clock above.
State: 12:01:07
